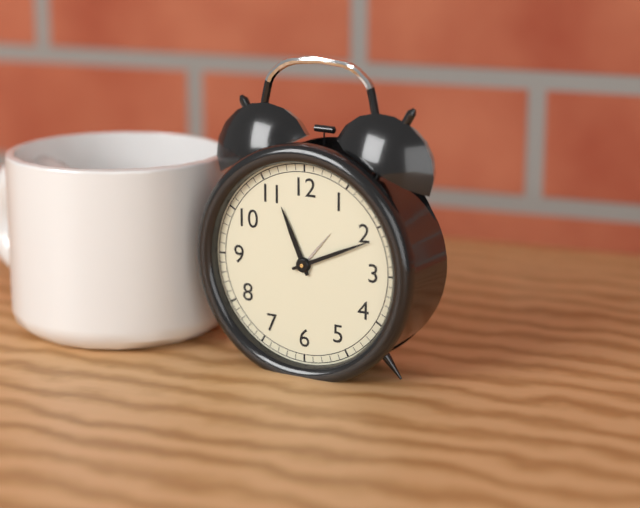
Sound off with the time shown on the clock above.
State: 11:11
